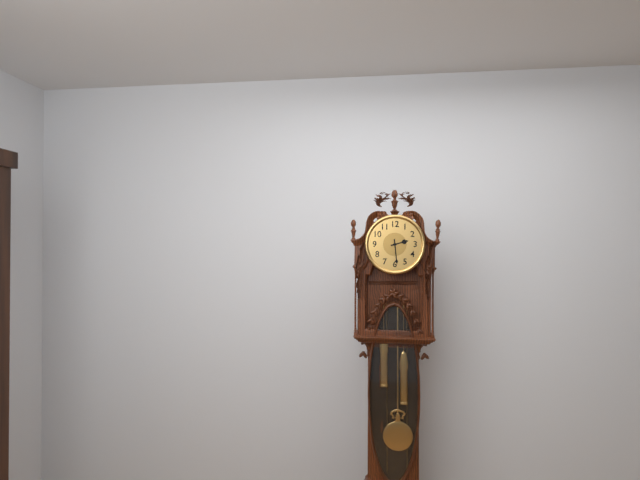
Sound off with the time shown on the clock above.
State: 2:29
